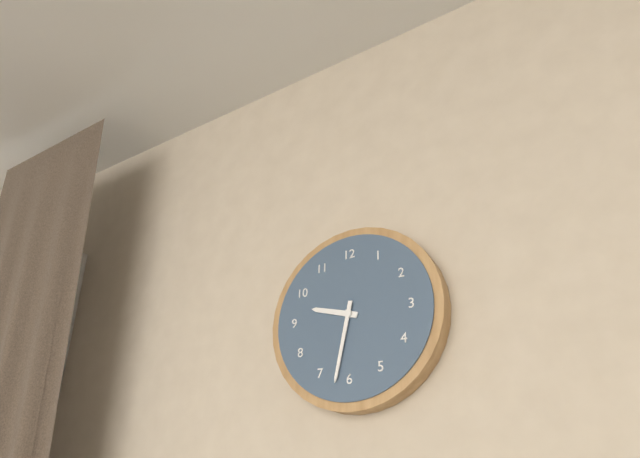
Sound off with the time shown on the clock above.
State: 9:32
